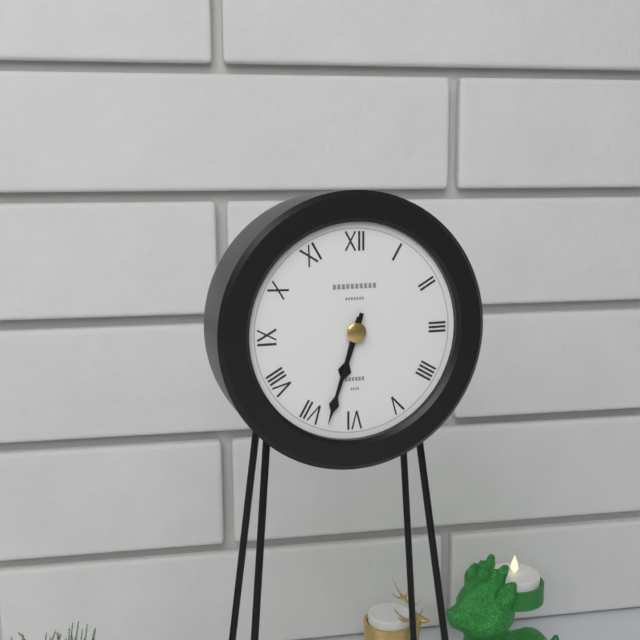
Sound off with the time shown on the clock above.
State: 6:33
